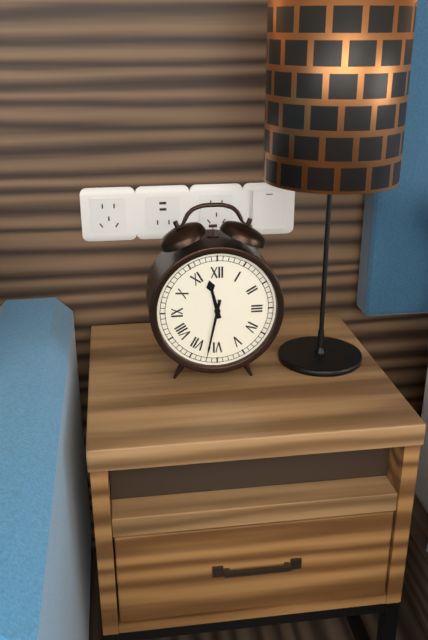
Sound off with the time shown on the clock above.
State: 11:32
